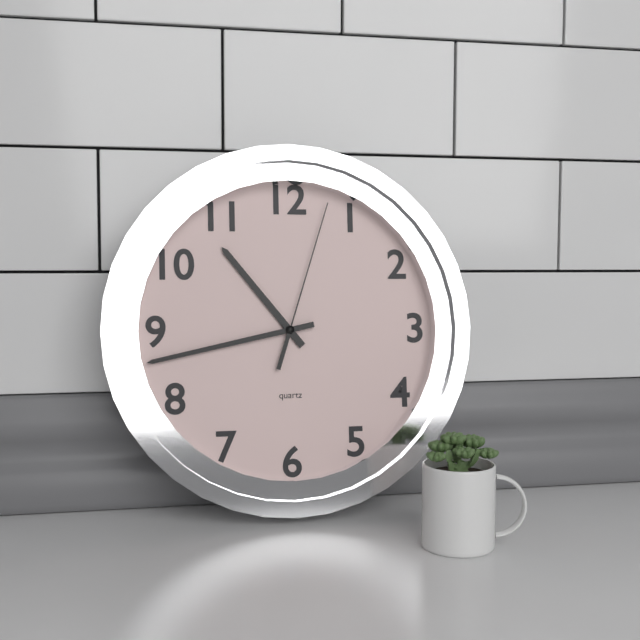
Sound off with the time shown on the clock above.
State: 10:43:03
